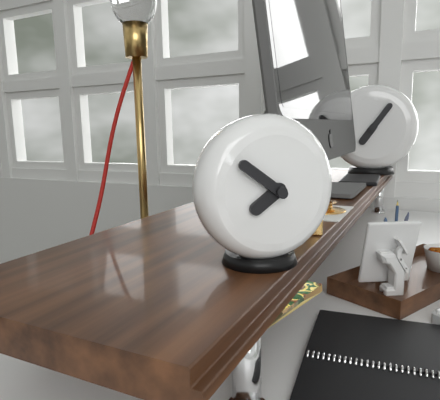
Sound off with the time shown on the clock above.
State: 7:51
